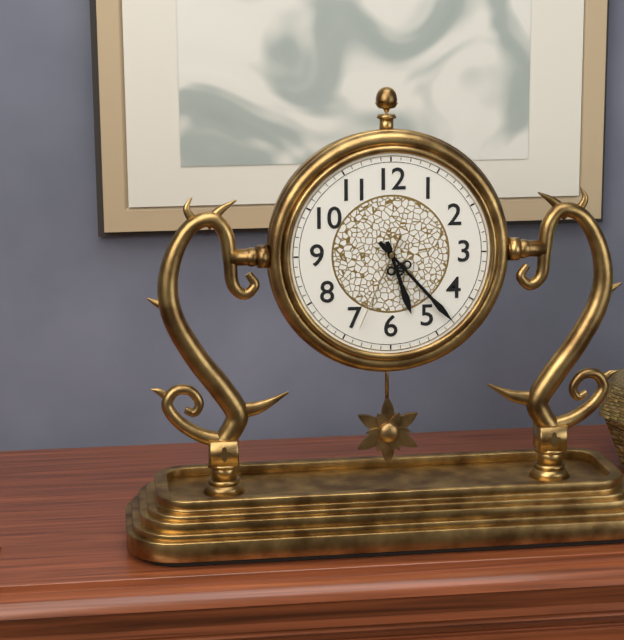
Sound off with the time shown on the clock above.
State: 5:23:34
